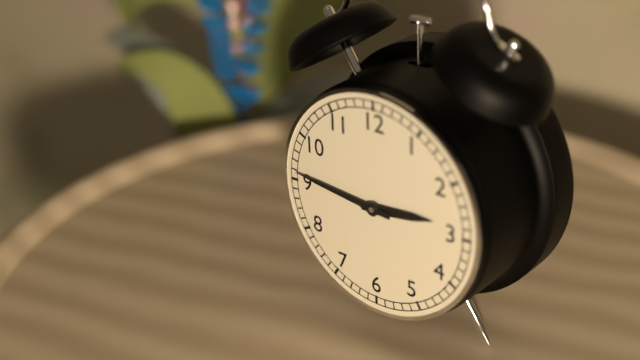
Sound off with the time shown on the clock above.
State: 2:46
